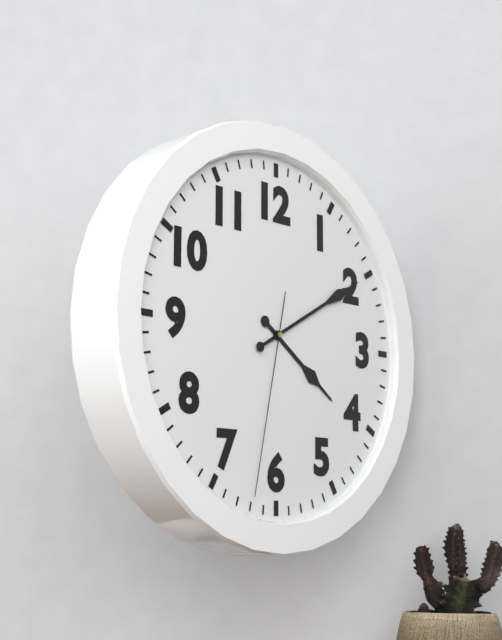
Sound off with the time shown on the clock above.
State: 4:10:32
